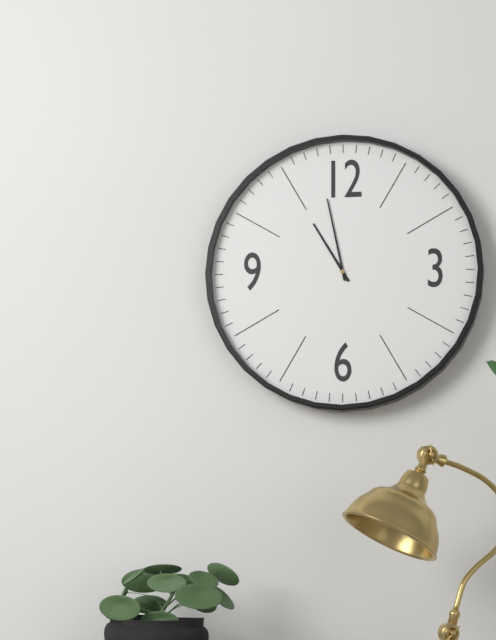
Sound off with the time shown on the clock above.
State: 10:58
